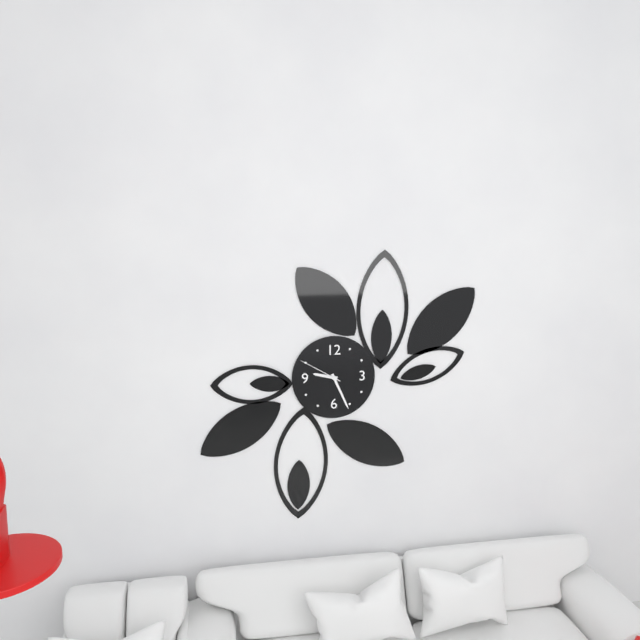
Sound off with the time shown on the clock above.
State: 9:26
